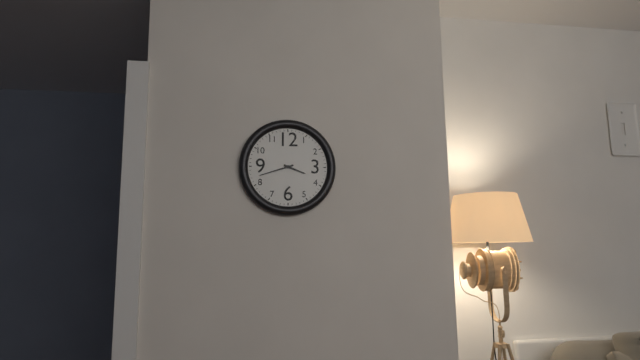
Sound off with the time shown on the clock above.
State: 3:42
